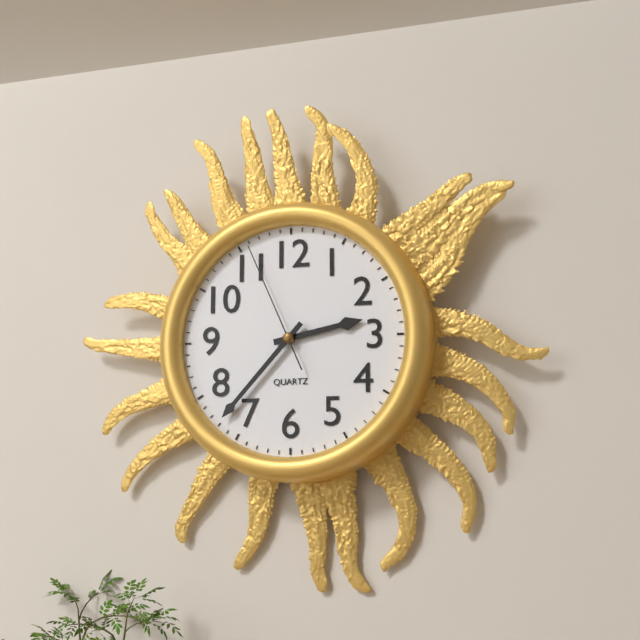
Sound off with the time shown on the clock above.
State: 2:37:56
